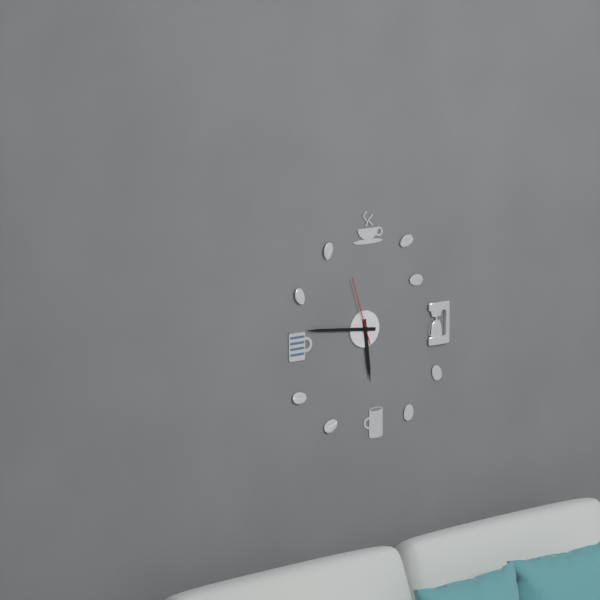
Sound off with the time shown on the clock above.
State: 5:46:57
